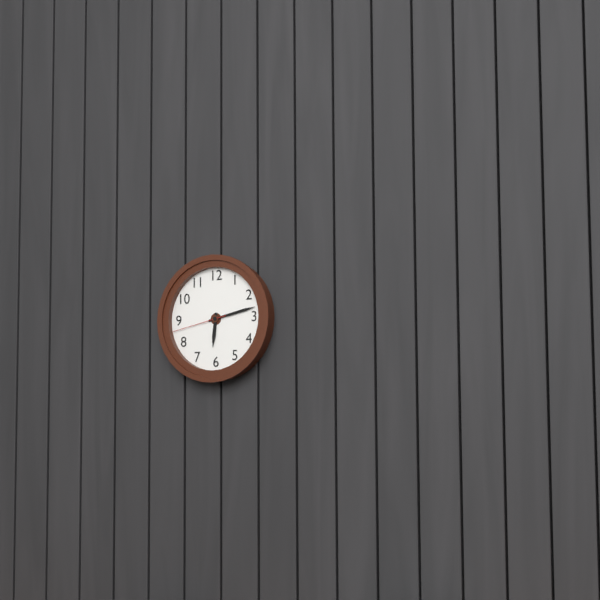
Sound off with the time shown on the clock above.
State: 6:13:43
